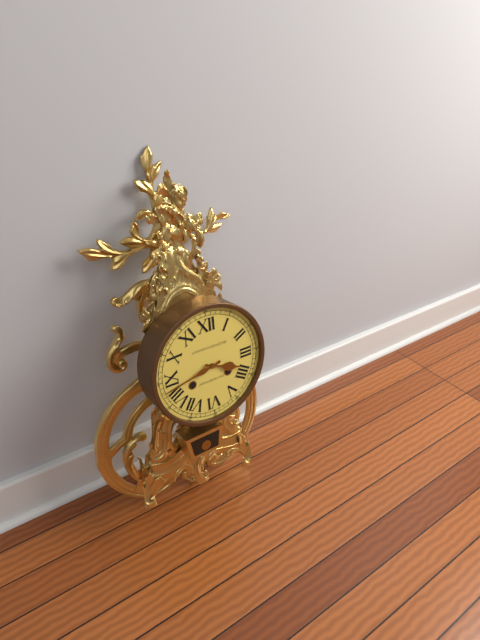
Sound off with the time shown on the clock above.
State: 3:43
